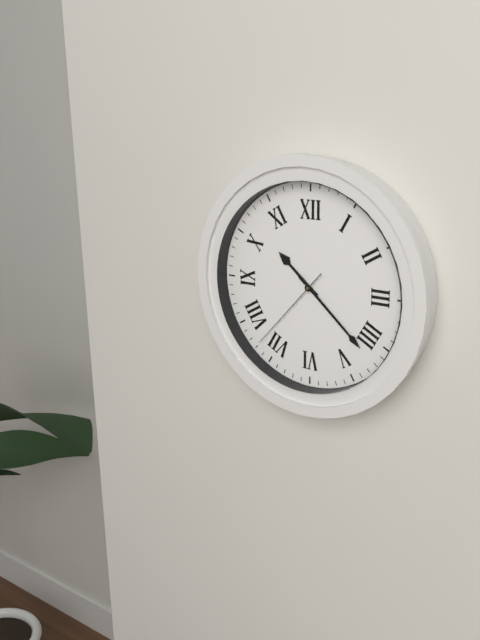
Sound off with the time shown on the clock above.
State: 10:22:37
